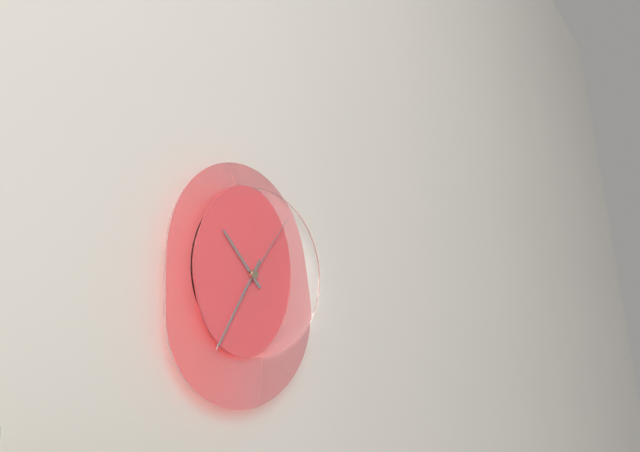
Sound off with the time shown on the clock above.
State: 10:35:06
